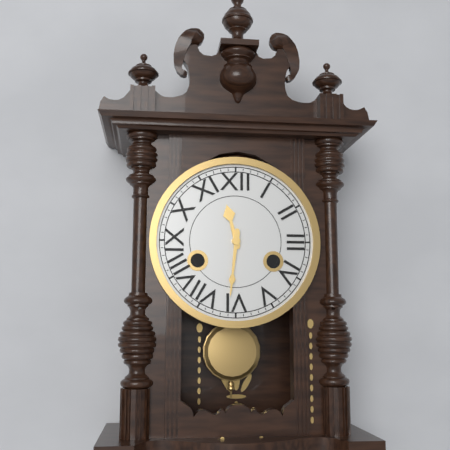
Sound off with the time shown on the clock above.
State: 11:31
